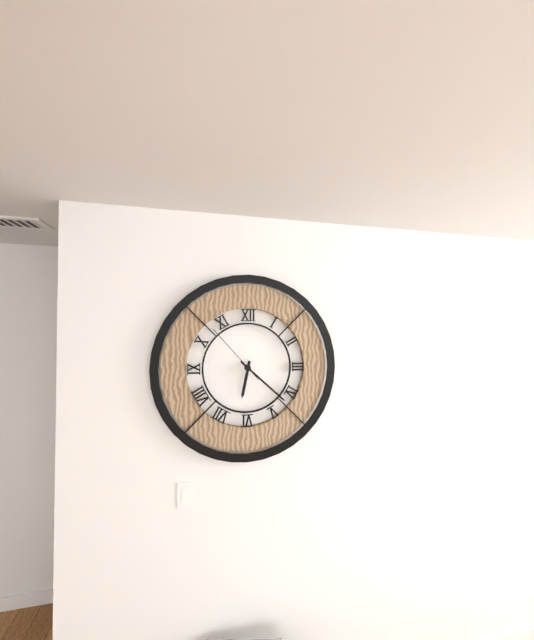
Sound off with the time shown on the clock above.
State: 6:22:53
